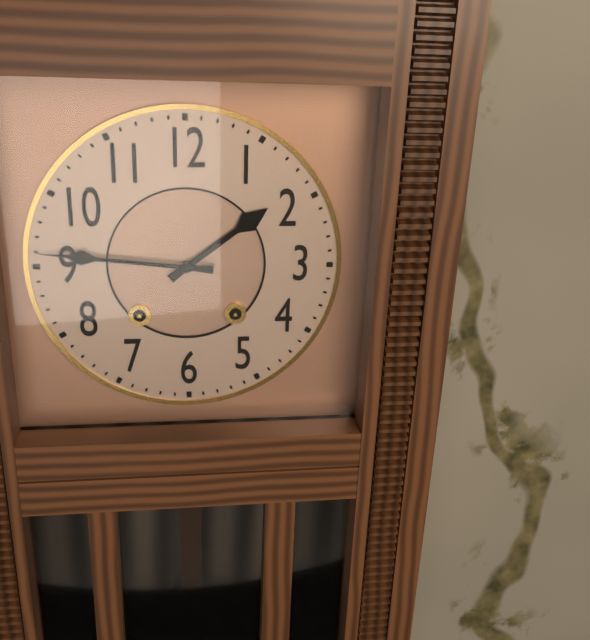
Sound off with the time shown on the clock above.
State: 1:46
